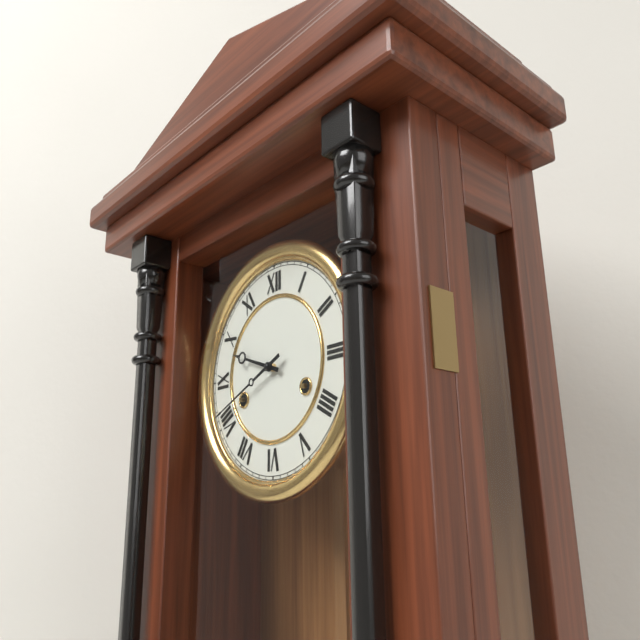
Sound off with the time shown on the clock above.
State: 9:41
